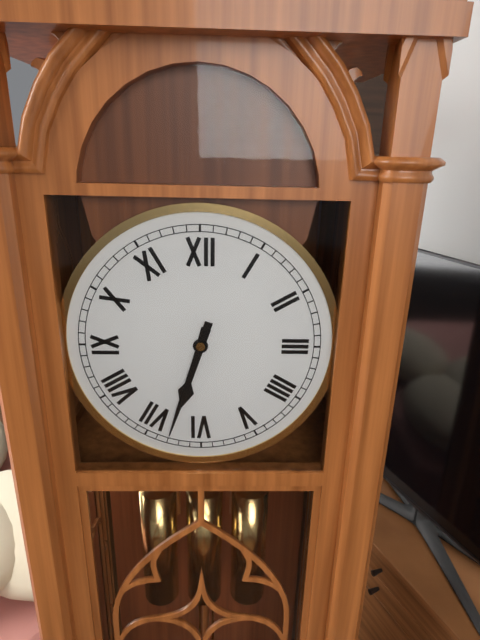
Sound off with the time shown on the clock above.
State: 6:33
